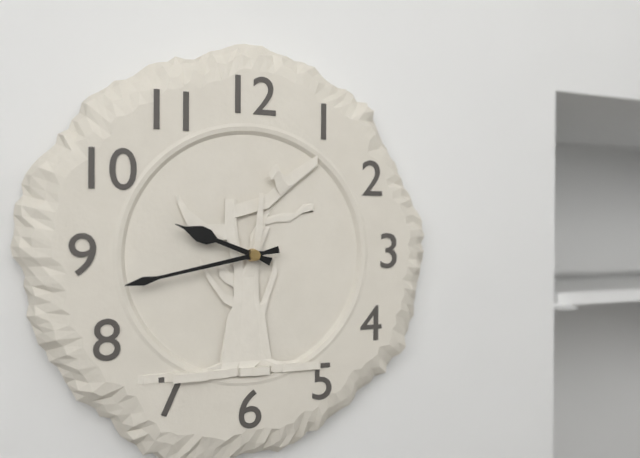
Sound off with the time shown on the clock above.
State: 9:43
